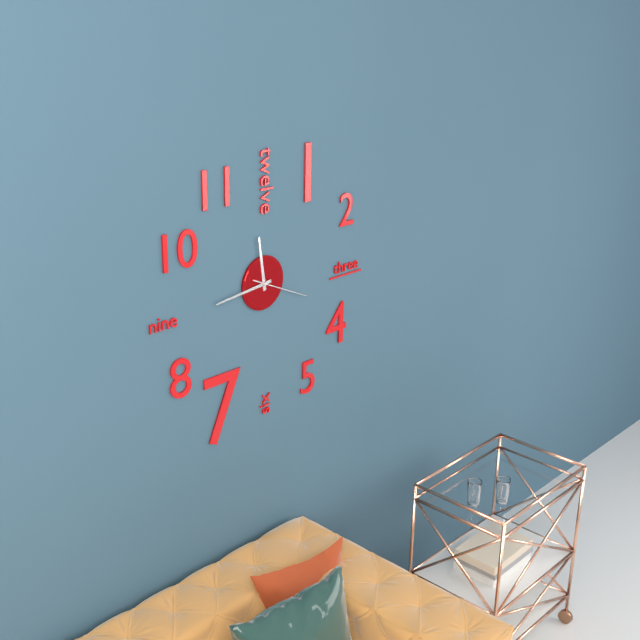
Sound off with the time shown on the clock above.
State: 11:44:19
